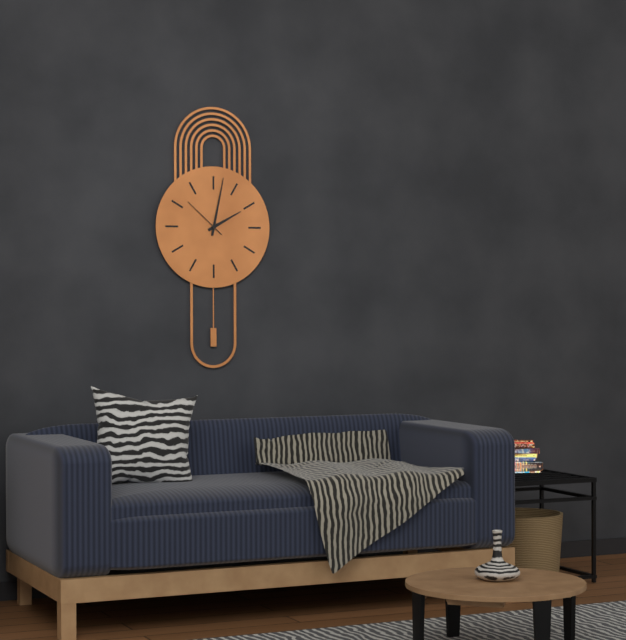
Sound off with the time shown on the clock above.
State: 2:02
